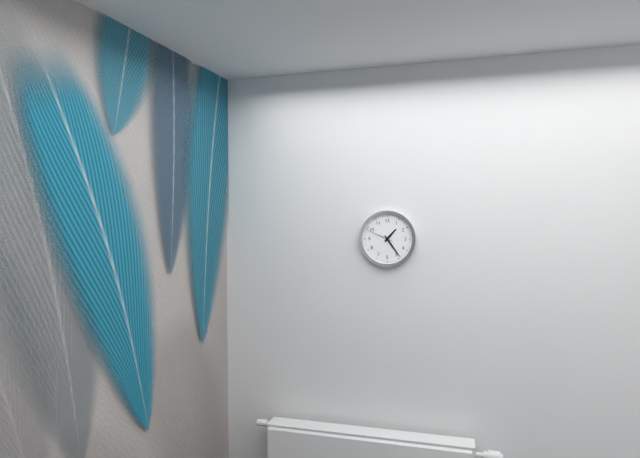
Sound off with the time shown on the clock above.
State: 1:24
